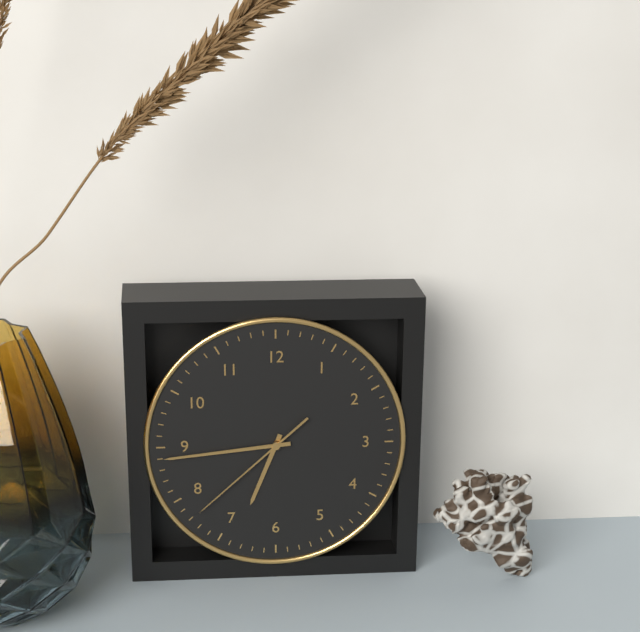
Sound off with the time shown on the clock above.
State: 6:44:38
